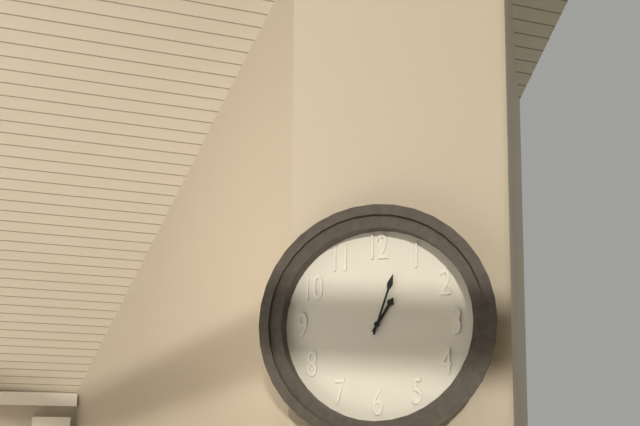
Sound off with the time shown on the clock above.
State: 1:03
